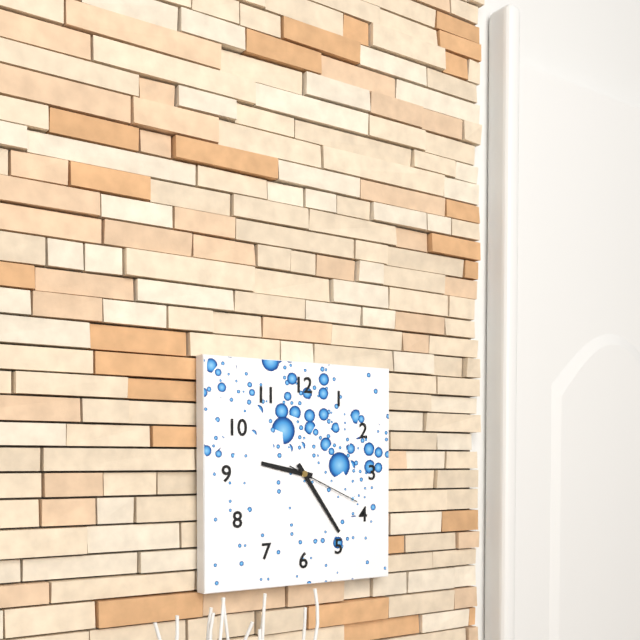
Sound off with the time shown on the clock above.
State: 9:24:19
